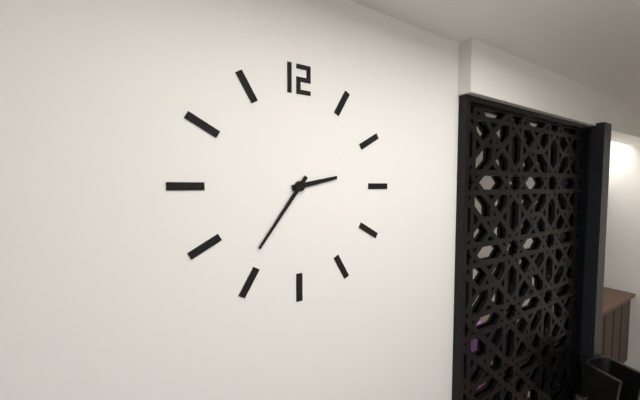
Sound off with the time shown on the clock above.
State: 2:36
